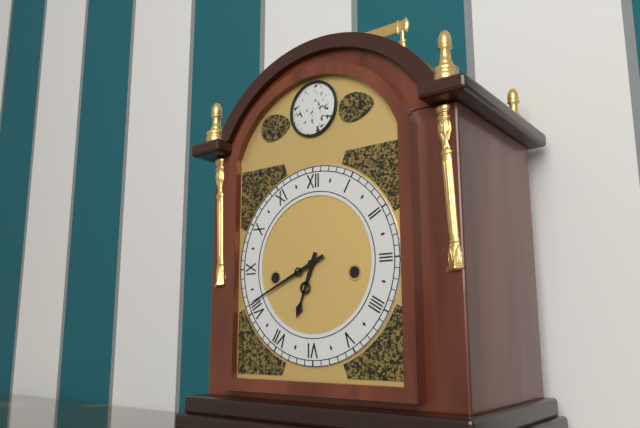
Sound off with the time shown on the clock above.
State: 6:41
